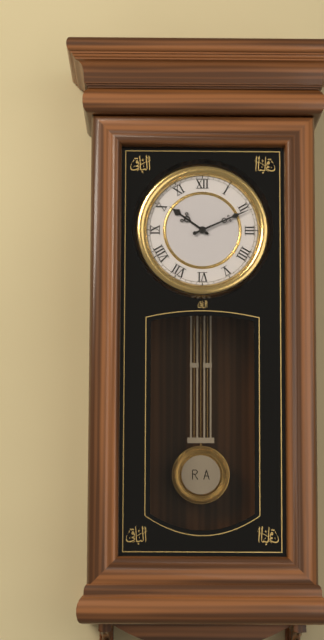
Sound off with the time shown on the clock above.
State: 10:11
